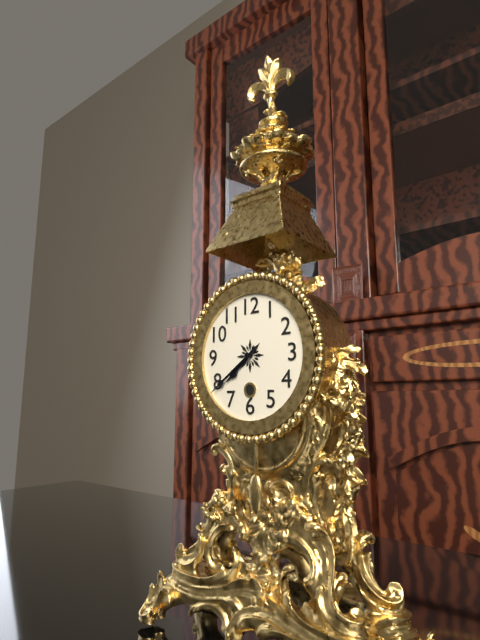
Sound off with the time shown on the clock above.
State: 7:39
